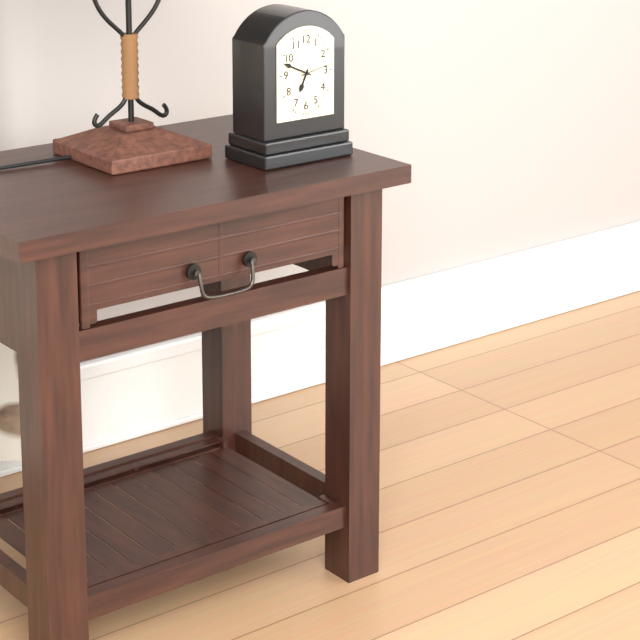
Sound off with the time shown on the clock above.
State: 6:49
